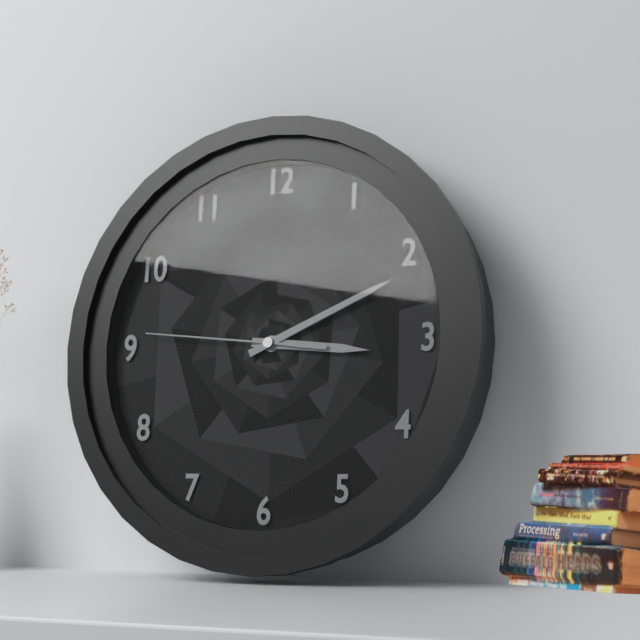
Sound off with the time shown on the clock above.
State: 3:11:46
